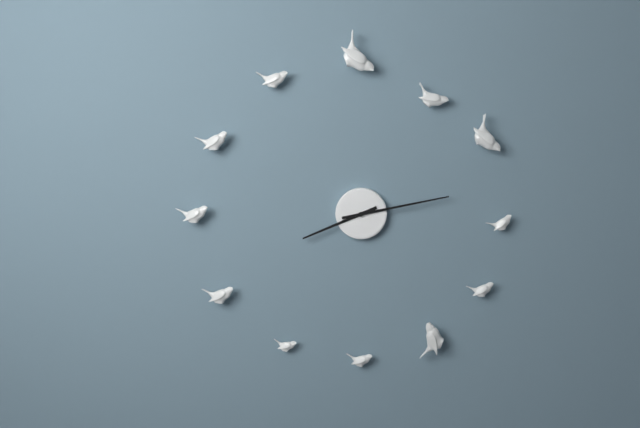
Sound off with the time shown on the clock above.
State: 8:13
